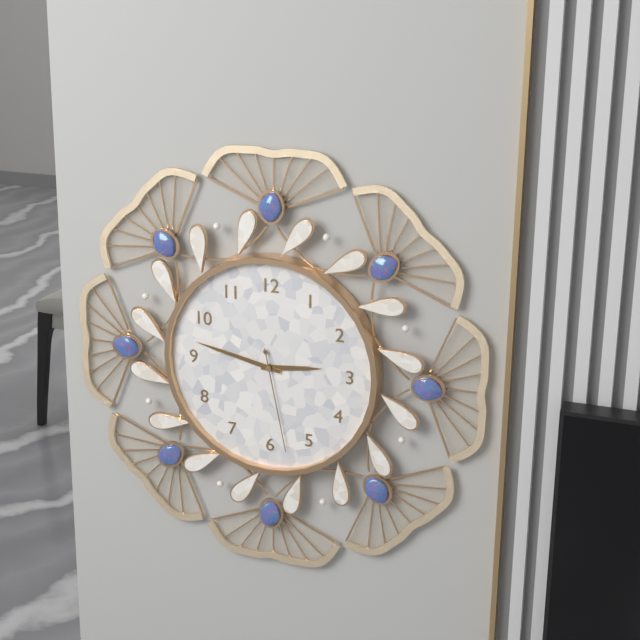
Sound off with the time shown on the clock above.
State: 2:47:28
